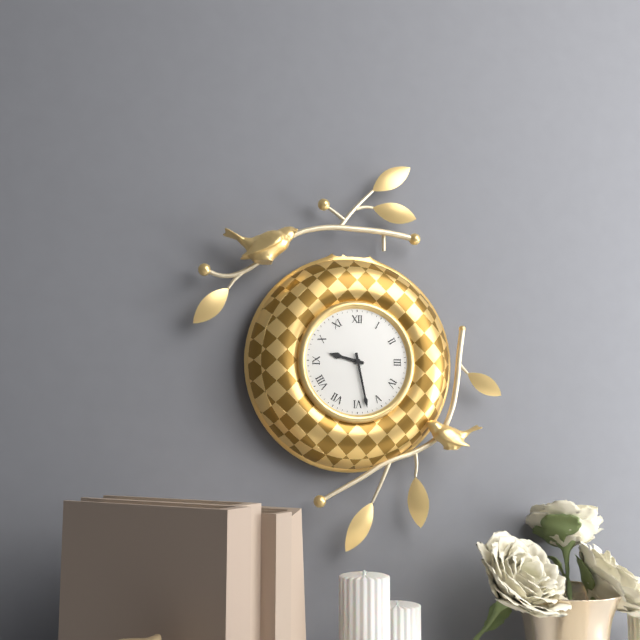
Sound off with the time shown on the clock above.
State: 9:28
